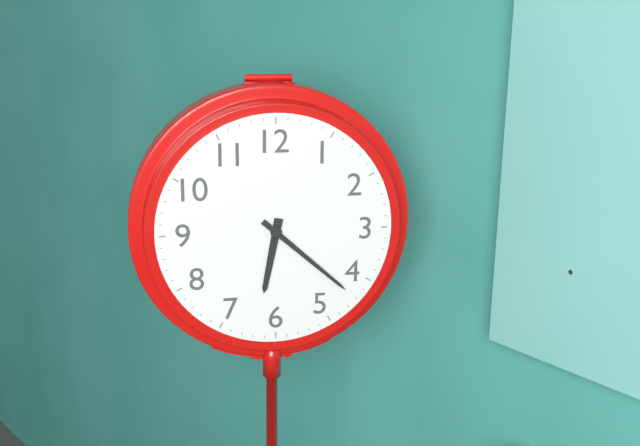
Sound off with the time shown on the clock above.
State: 6:22
